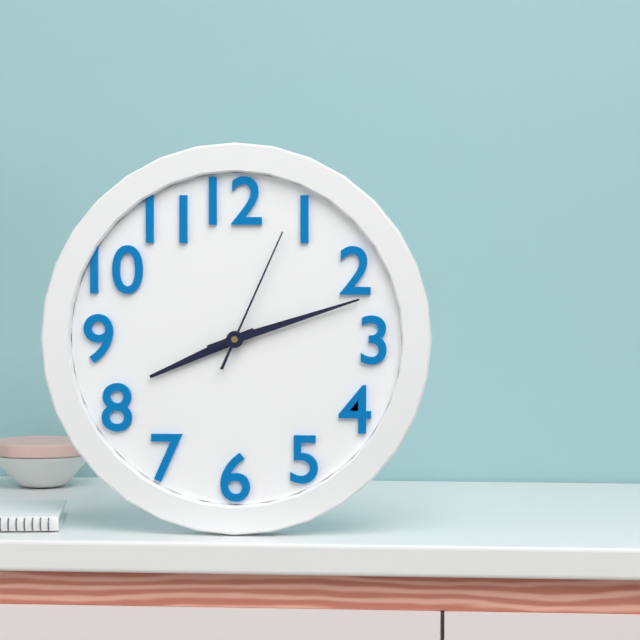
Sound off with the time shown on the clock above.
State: 8:12:04
